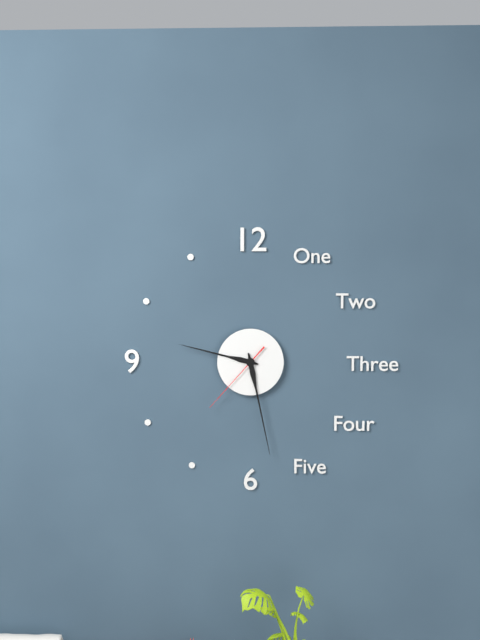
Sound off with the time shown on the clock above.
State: 9:28:37
